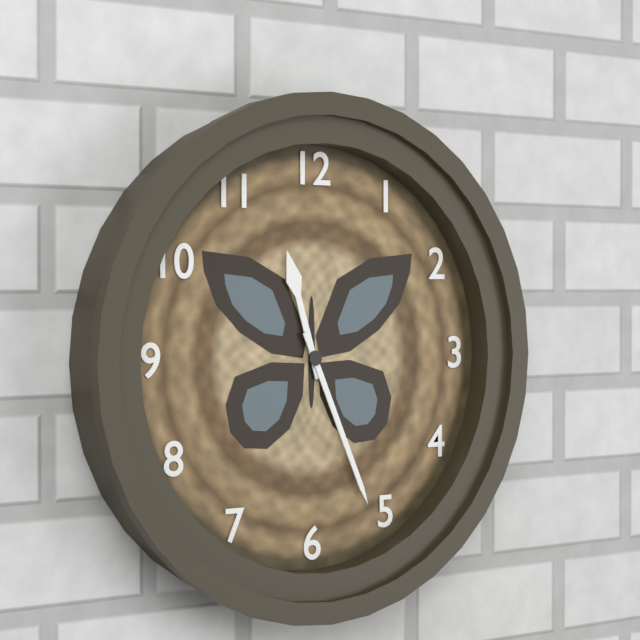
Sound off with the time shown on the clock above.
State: 11:26
